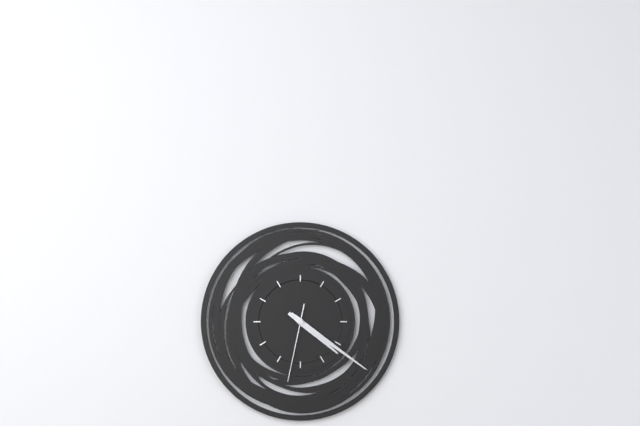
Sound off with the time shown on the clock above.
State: 4:21:32
